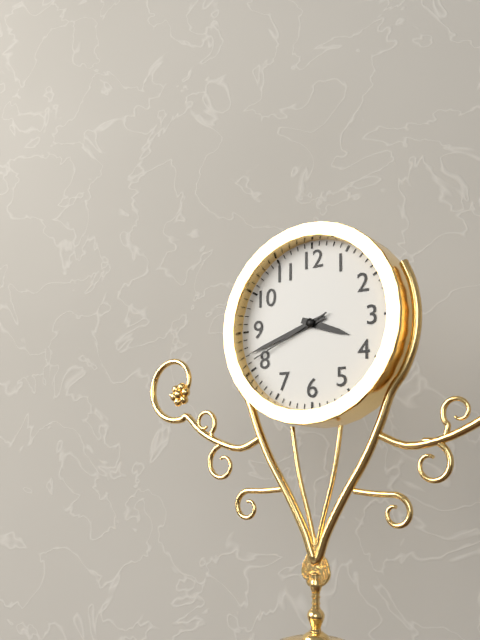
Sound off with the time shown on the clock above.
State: 3:42:41
